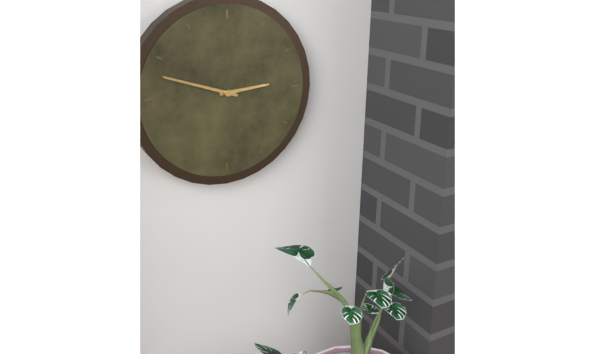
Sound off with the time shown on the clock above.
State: 2:48
